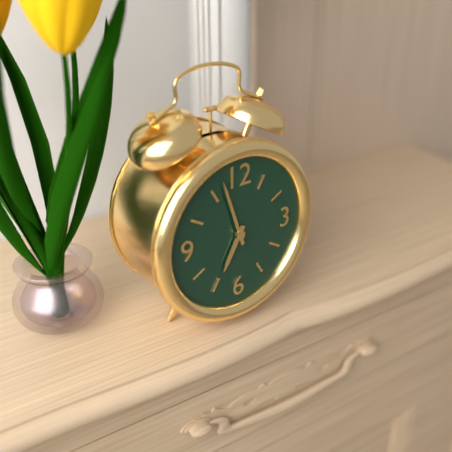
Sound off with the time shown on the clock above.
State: 6:57
